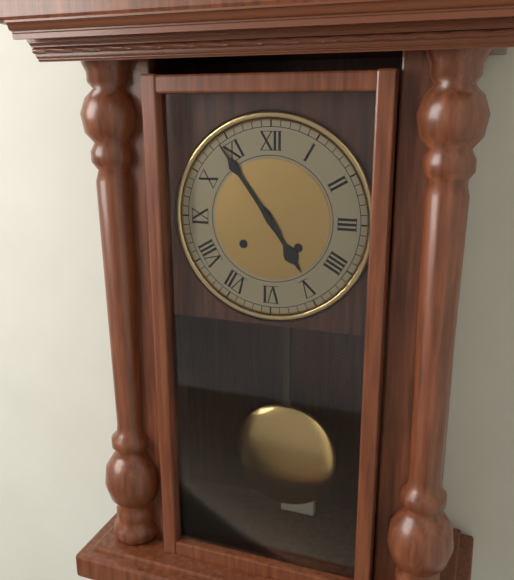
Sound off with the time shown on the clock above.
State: 4:54
